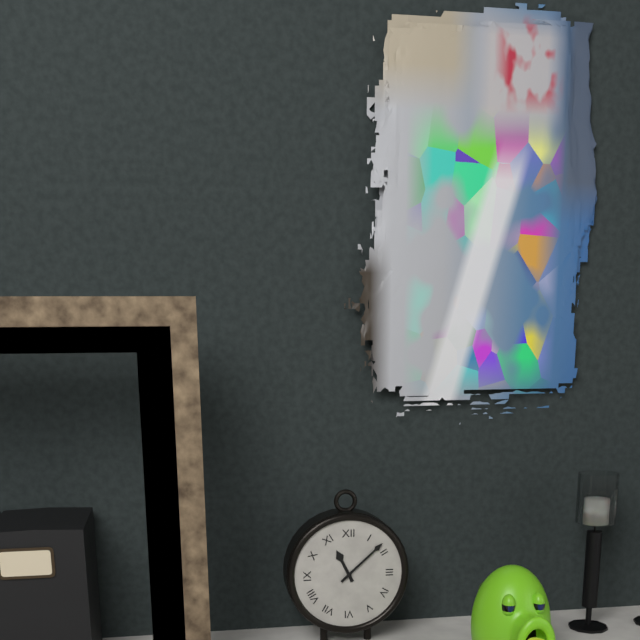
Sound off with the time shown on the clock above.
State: 11:08
